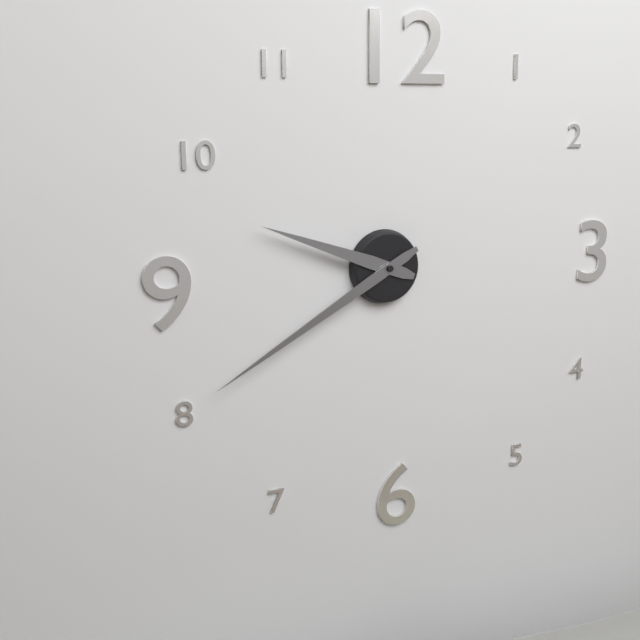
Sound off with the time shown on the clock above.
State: 9:40
